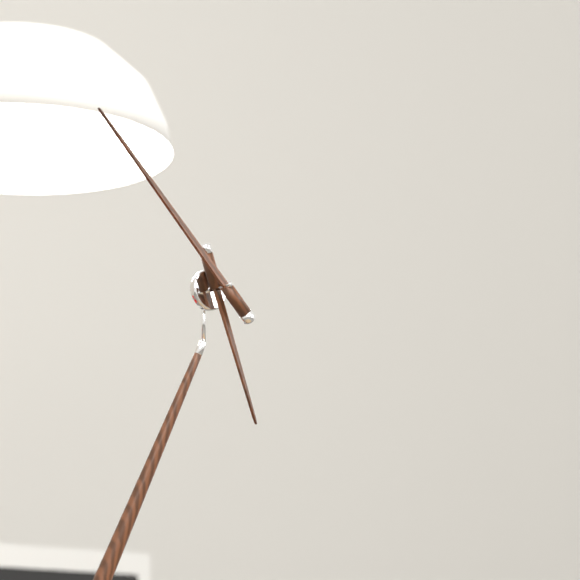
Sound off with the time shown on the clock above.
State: 4:50
